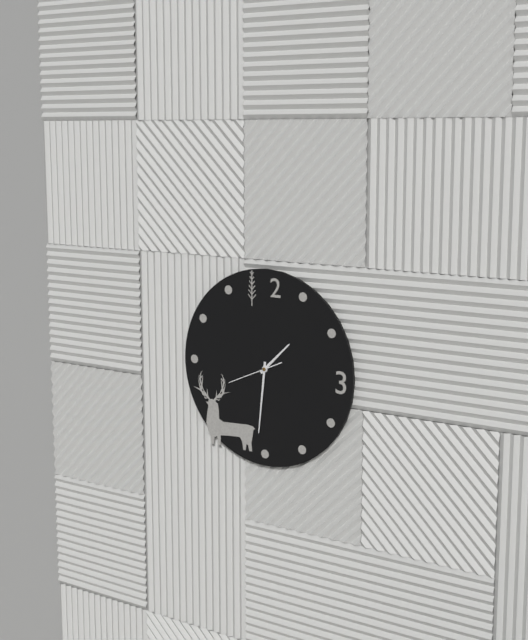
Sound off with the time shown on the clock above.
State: 1:31:41
